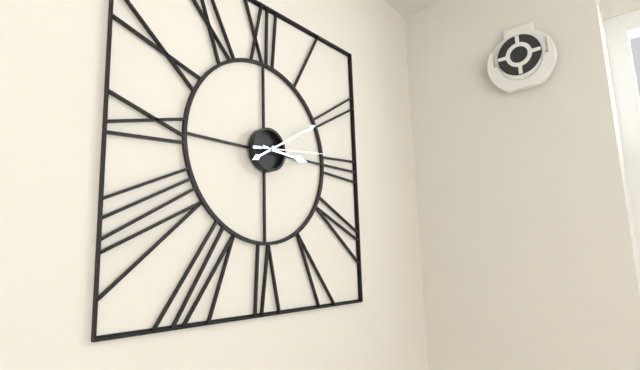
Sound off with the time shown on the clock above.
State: 3:10:14
